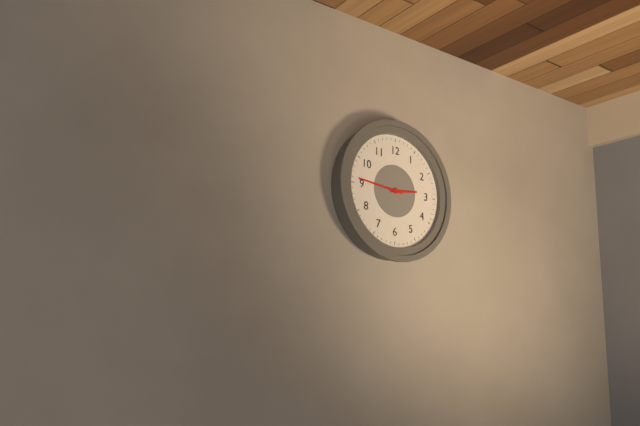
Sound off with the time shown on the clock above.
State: 2:46
